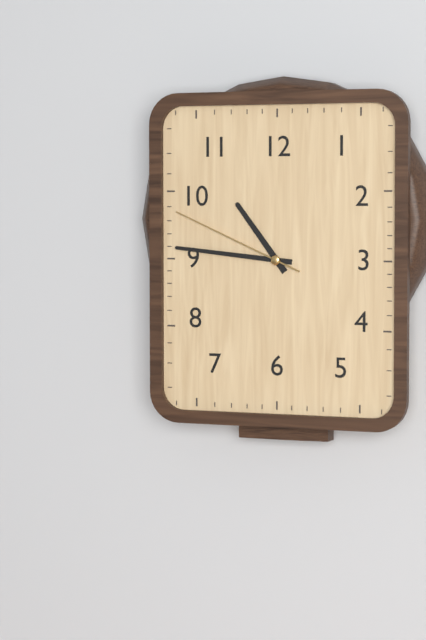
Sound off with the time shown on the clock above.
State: 10:46:49
